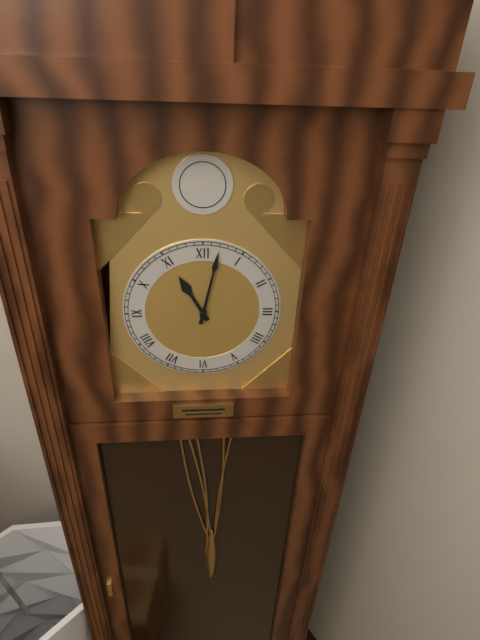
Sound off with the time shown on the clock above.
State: 11:02
